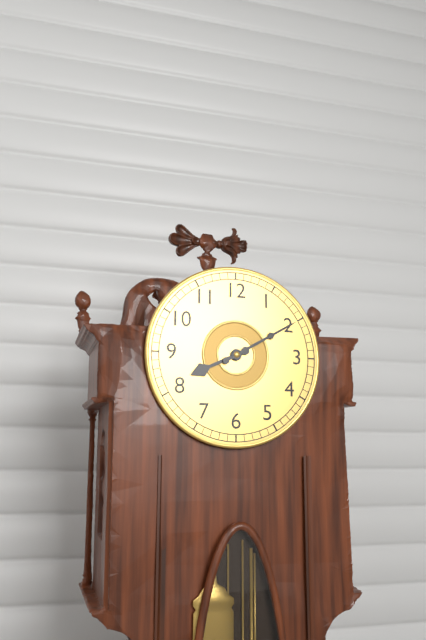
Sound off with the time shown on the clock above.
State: 8:10
